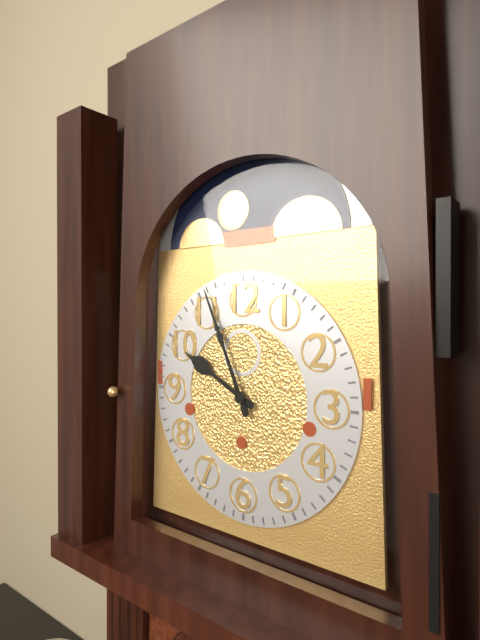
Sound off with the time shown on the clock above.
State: 9:56
